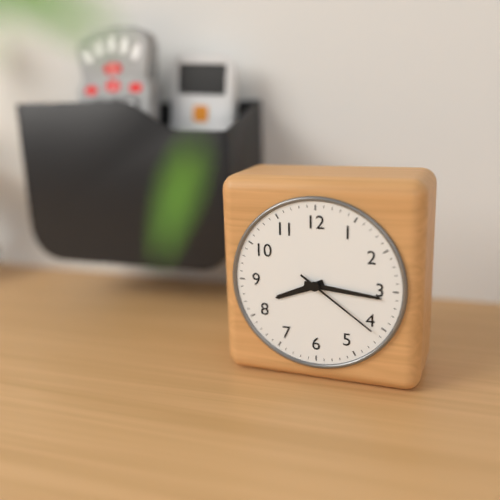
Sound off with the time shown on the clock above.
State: 8:16:21
